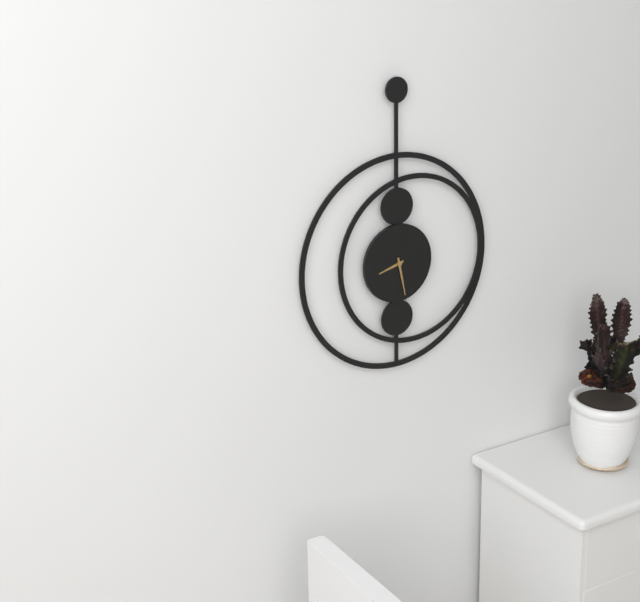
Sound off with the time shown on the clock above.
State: 8:28
